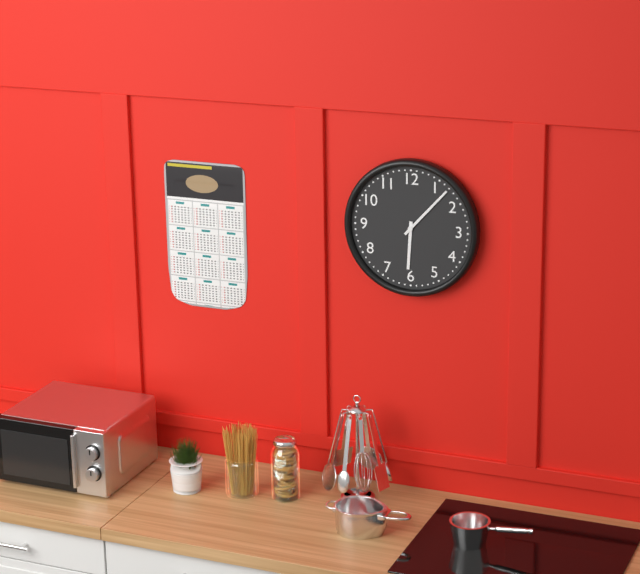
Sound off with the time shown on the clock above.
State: 6:07
